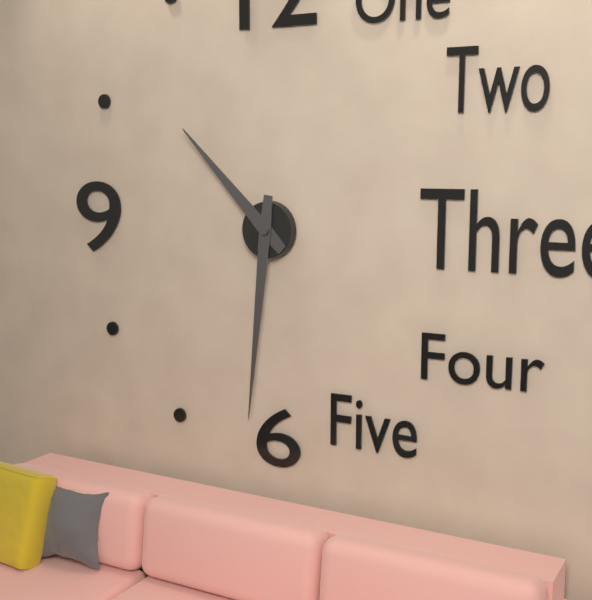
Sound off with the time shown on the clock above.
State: 10:31
